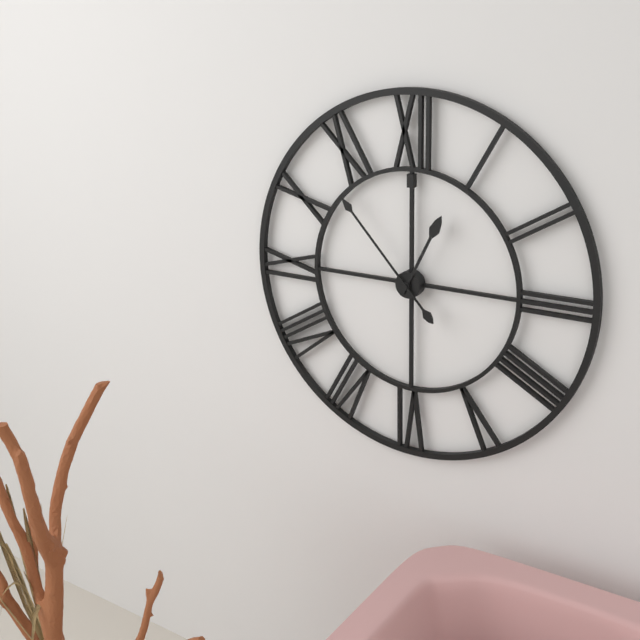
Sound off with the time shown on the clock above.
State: 12:53
